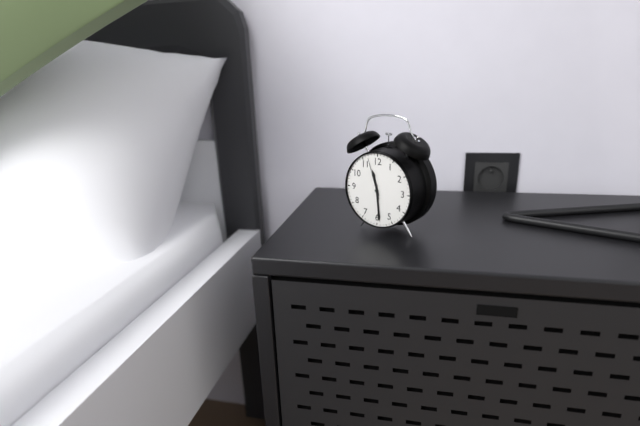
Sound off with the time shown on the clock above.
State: 11:29
